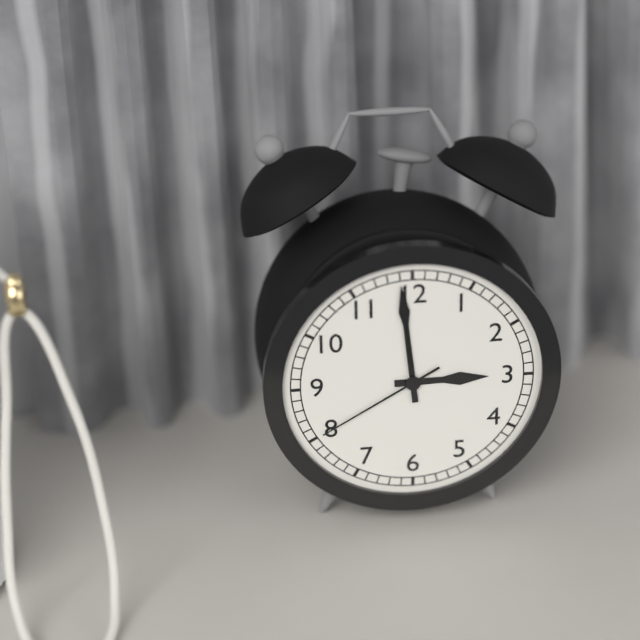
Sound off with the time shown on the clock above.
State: 2:59:40
